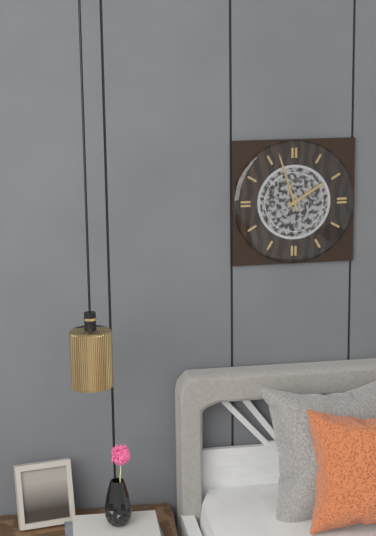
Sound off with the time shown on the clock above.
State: 1:57
